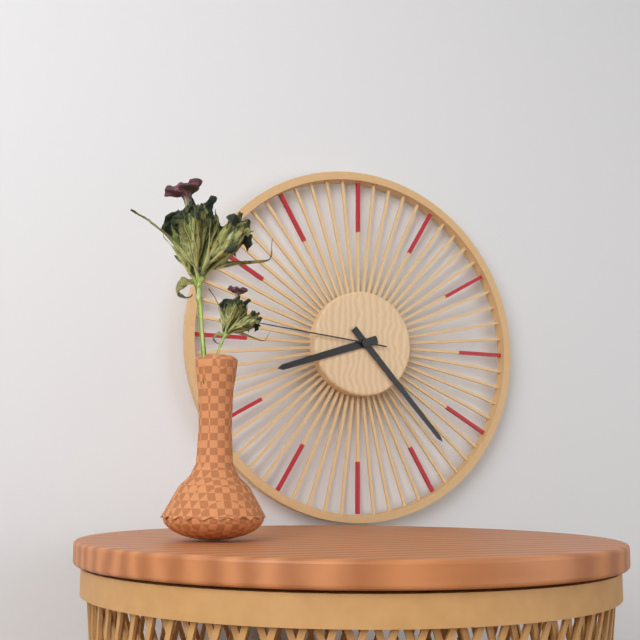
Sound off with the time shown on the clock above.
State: 8:23:46
